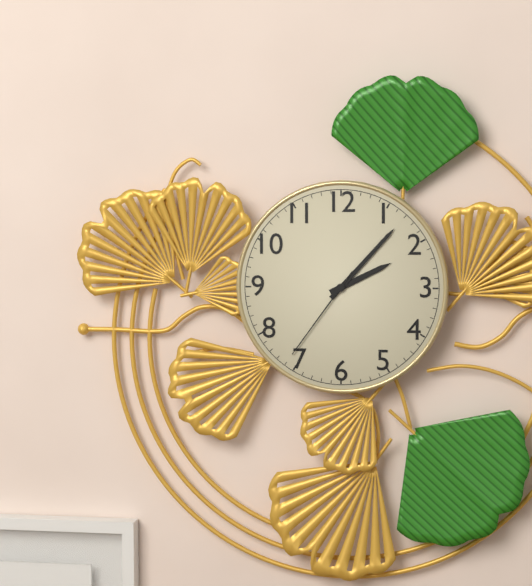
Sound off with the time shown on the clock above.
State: 2:07:36
